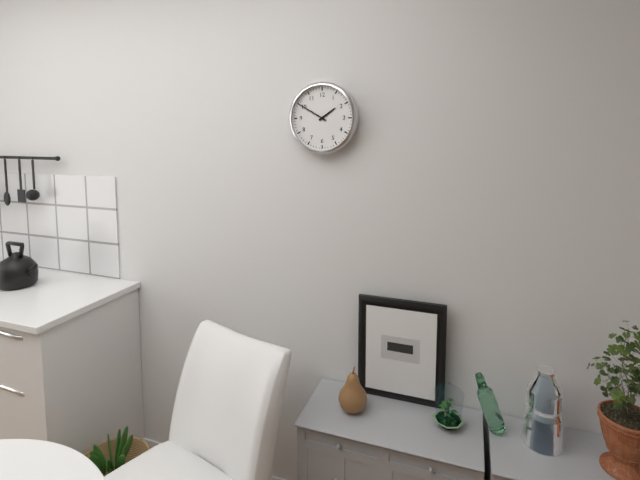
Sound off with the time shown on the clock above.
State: 1:50
